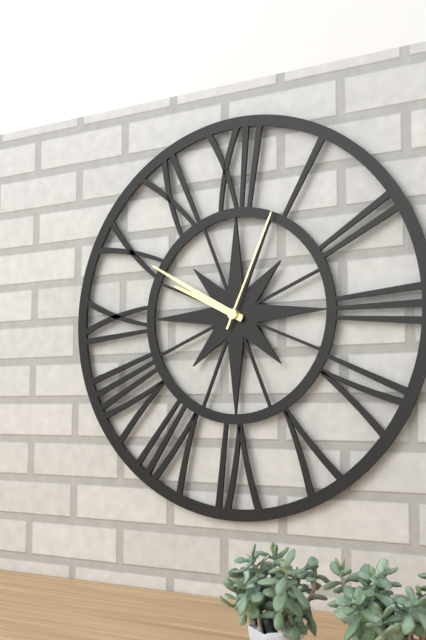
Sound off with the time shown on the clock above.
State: 9:50:04
